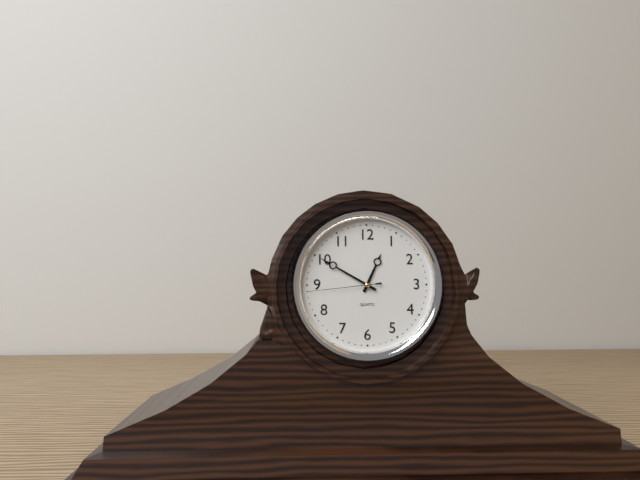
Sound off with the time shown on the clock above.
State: 12:50:44
